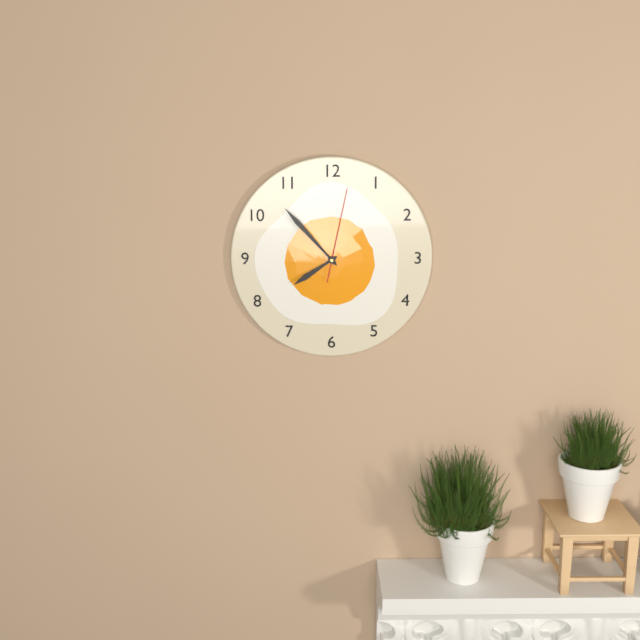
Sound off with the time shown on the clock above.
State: 7:53:02
